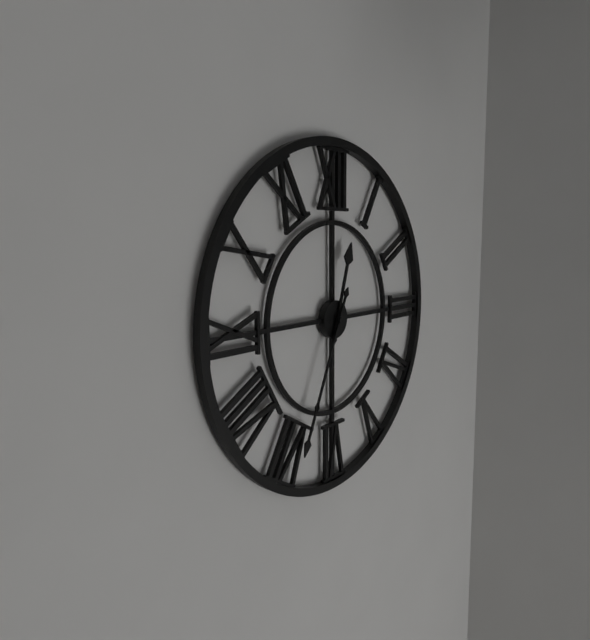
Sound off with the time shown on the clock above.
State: 12:34
